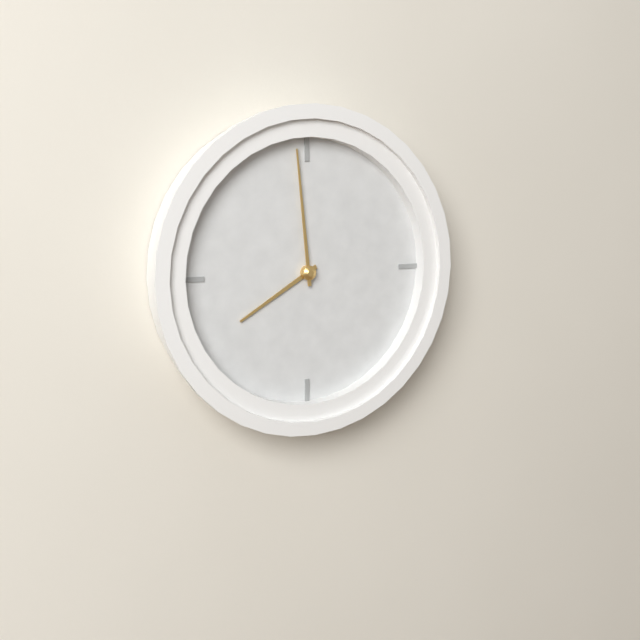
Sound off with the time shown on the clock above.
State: 7:59
